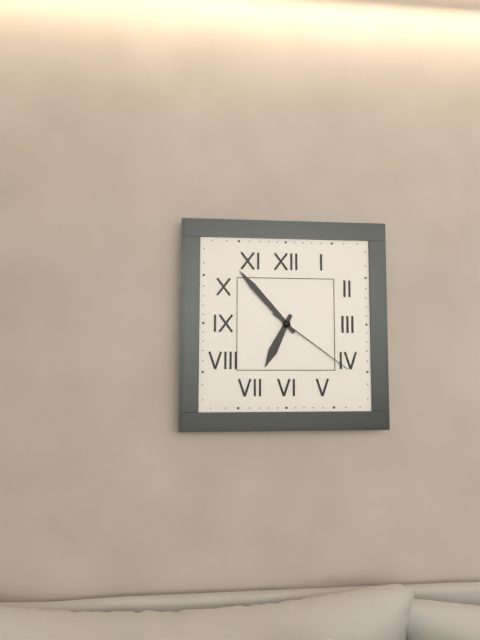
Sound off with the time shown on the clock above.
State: 6:53:21
